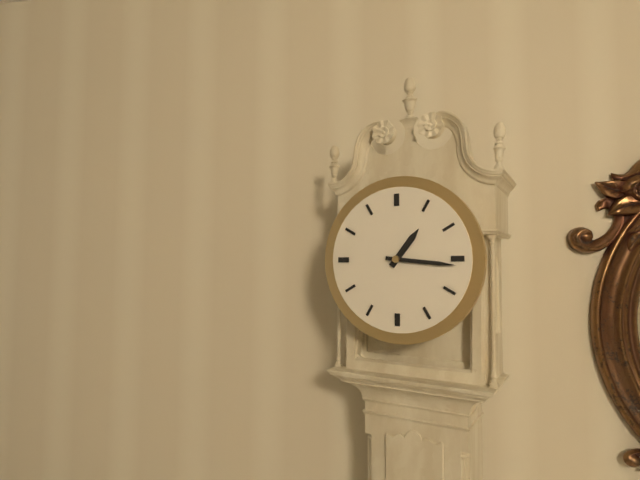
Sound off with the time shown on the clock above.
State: 1:16
